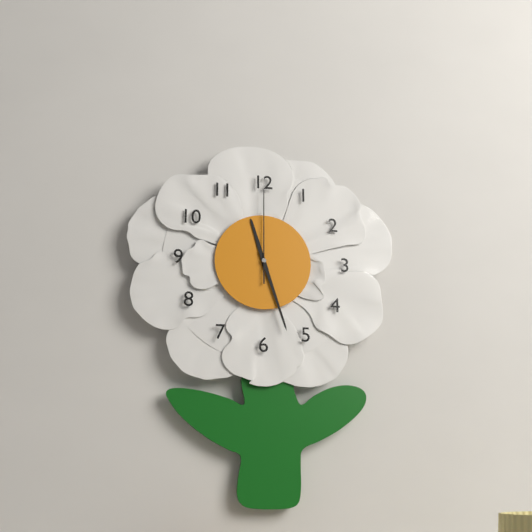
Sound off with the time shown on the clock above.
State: 11:27:00
